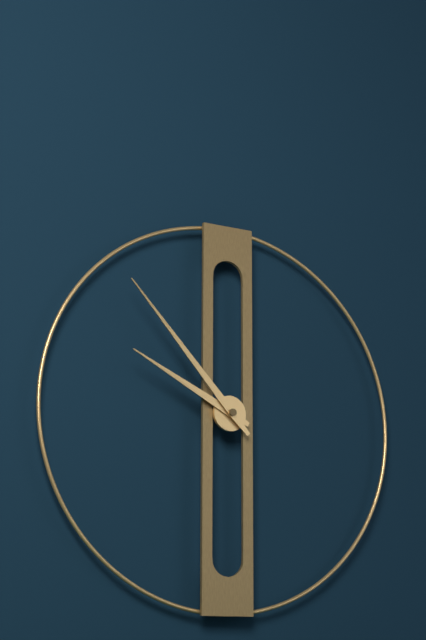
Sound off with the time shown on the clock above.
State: 9:53
